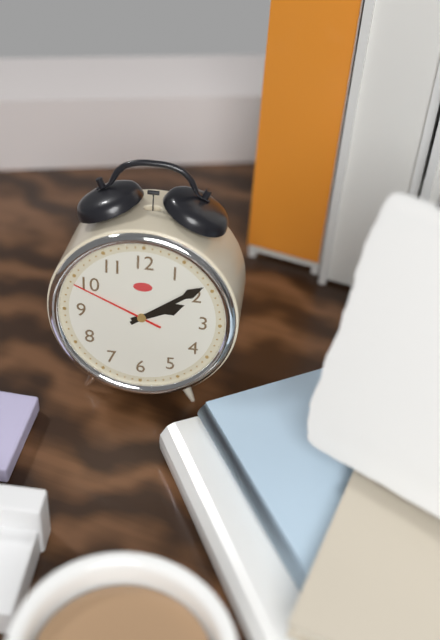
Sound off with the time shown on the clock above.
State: 2:09:49
